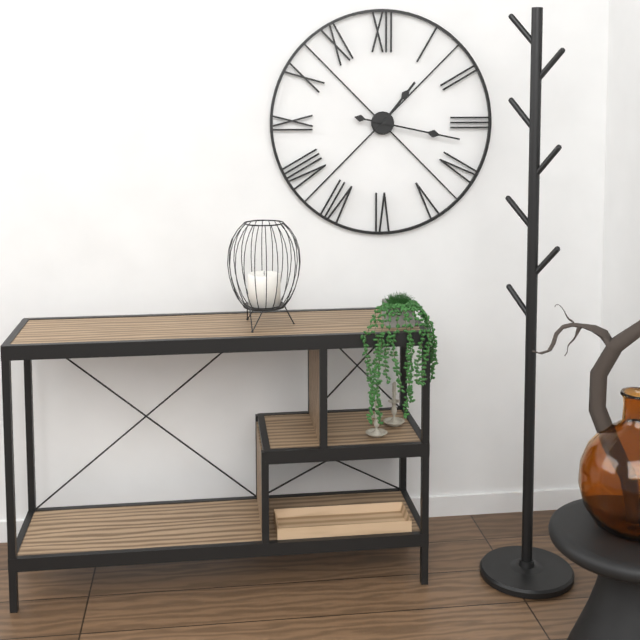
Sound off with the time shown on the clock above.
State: 1:17
